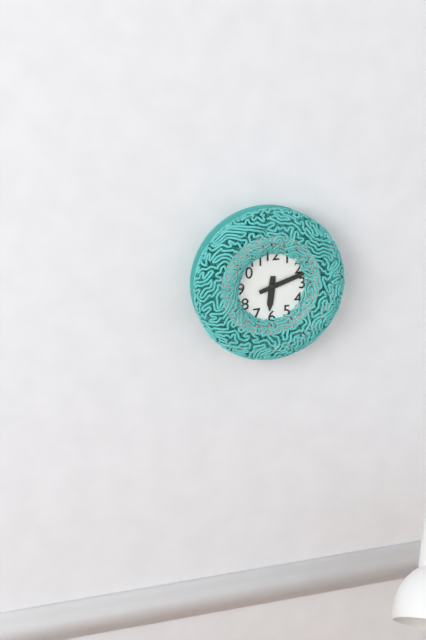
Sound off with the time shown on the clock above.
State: 6:12
